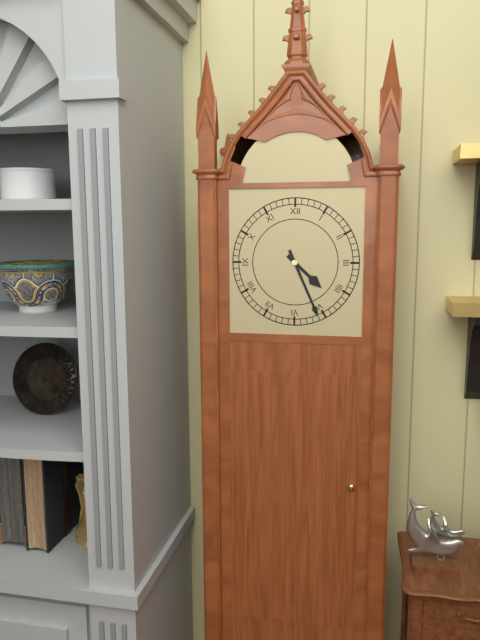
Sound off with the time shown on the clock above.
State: 4:26
